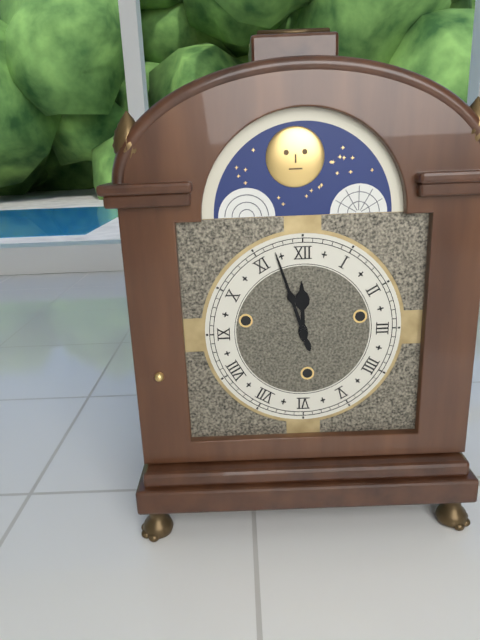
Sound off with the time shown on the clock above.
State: 11:57
